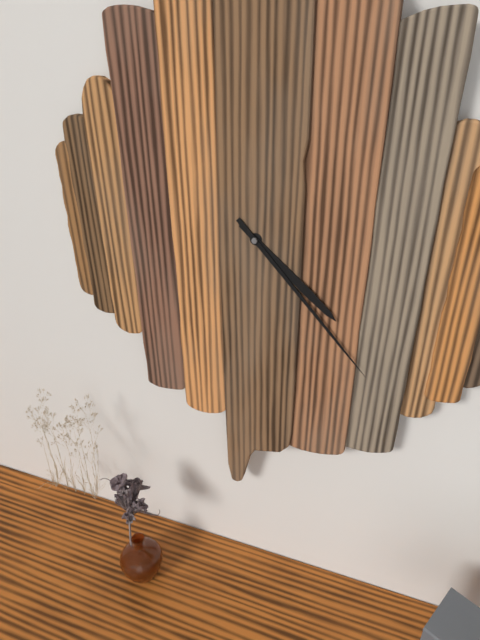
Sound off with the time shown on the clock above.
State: 4:23
